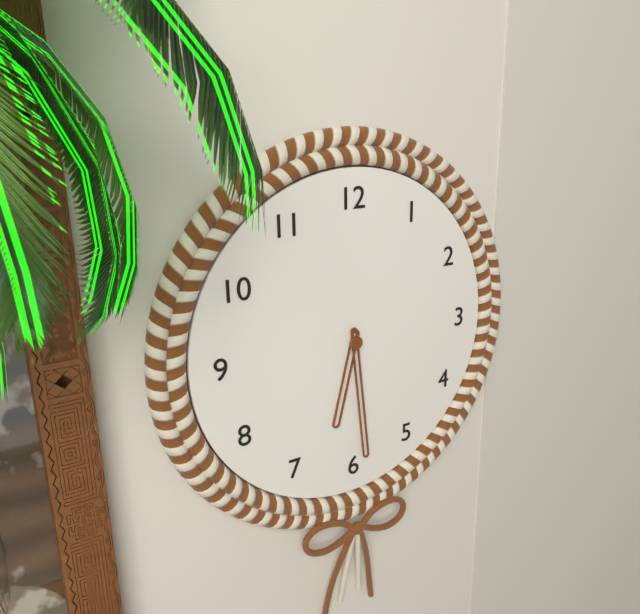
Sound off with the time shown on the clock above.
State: 6:29
